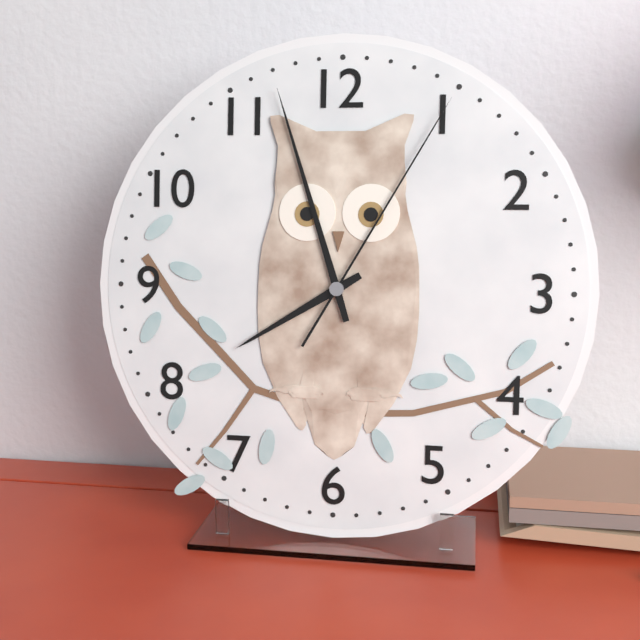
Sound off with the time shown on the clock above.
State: 7:57:05
